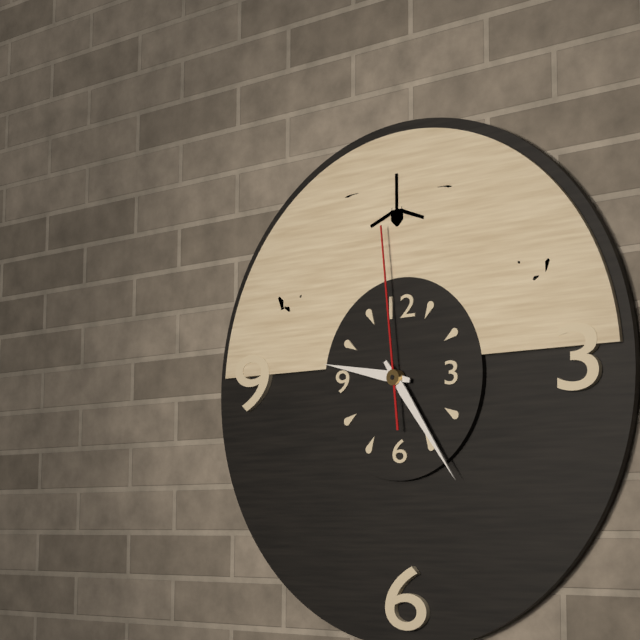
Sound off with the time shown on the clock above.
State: 9:24:59
